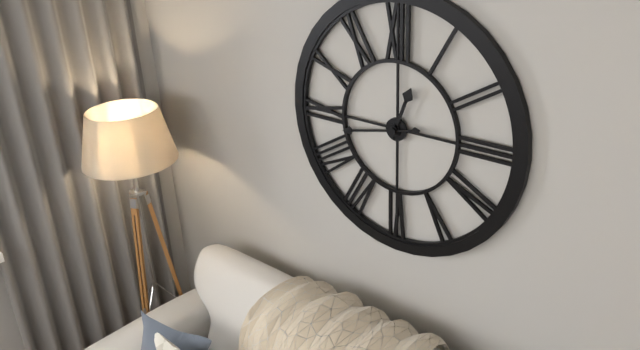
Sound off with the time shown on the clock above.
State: 12:43
